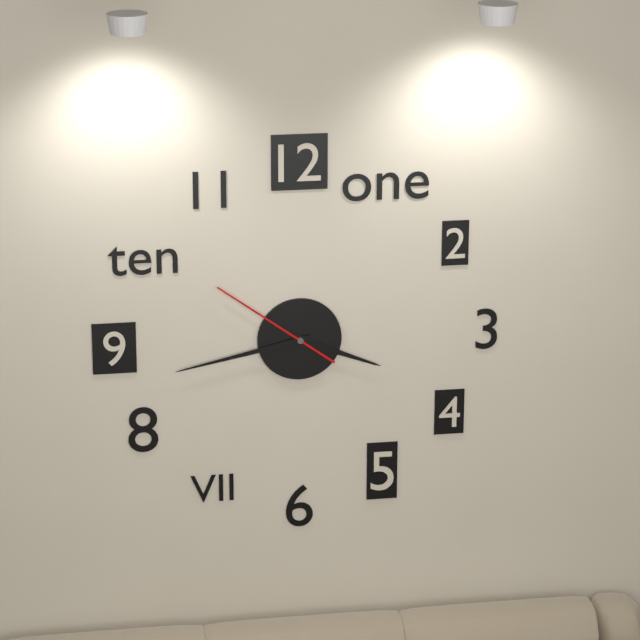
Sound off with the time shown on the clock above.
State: 3:43:51
